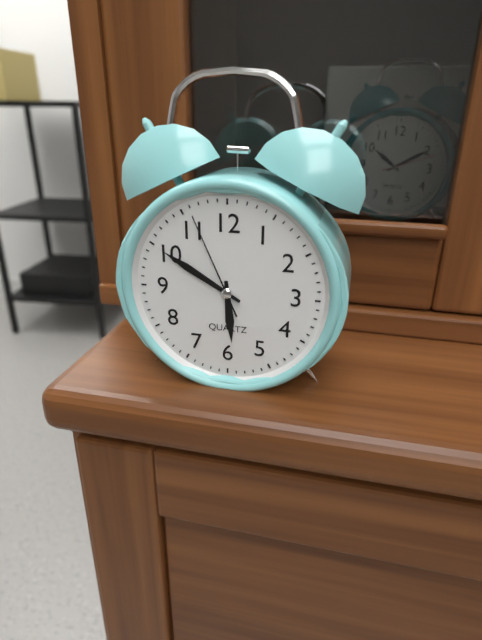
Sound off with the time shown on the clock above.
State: 5:50:56
